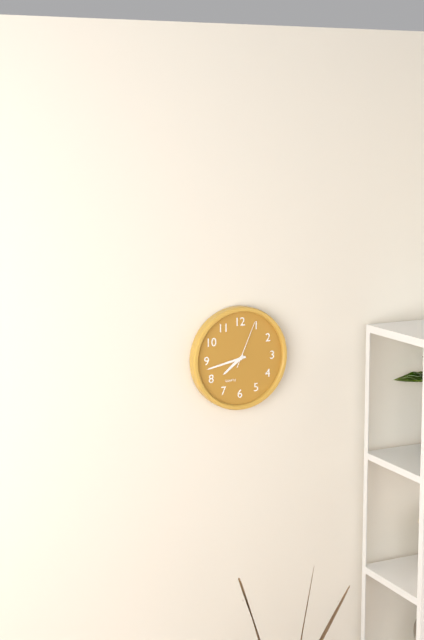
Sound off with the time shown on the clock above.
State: 7:43
